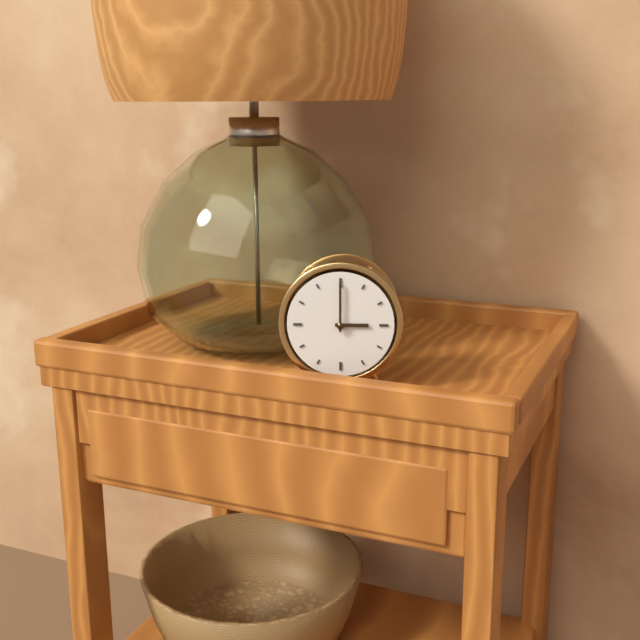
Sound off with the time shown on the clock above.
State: 3:00
